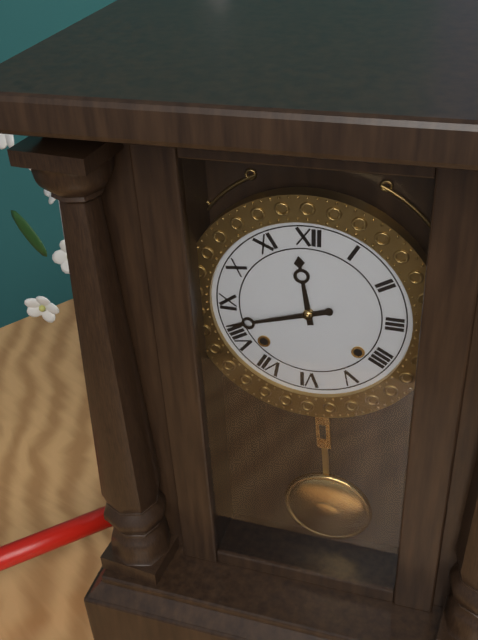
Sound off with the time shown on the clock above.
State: 11:42
